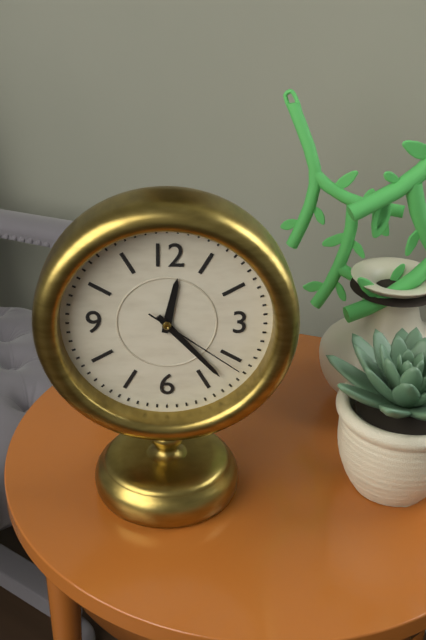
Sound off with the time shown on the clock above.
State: 12:23:21
